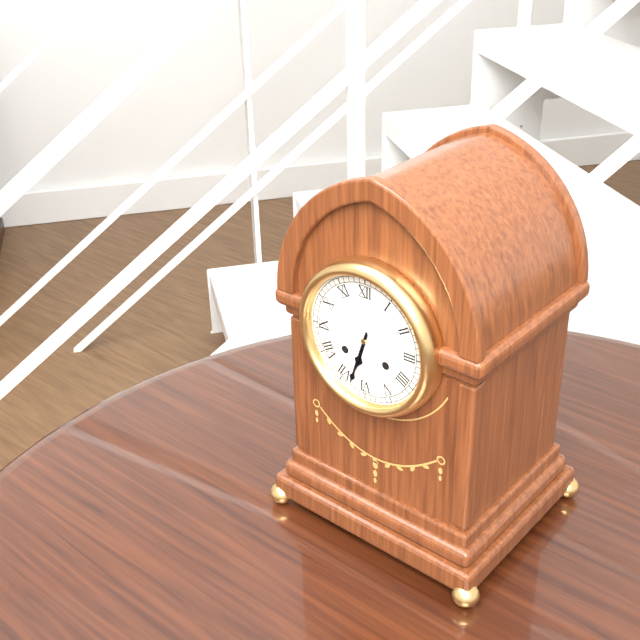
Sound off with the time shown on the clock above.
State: 6:33
